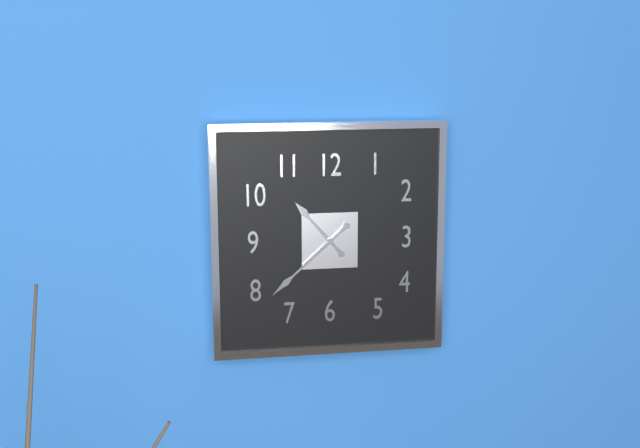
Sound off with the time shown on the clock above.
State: 10:38
